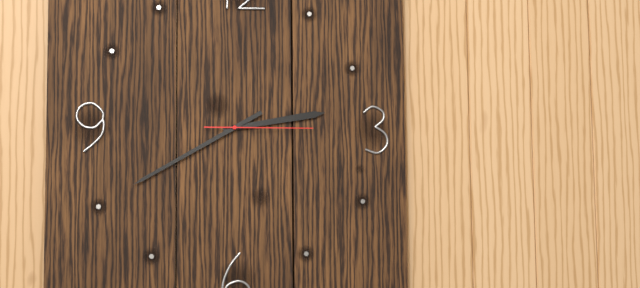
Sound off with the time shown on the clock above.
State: 2:40:15
